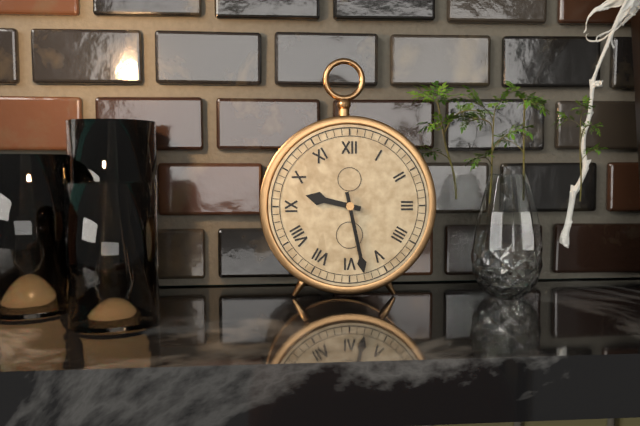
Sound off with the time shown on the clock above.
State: 9:28
